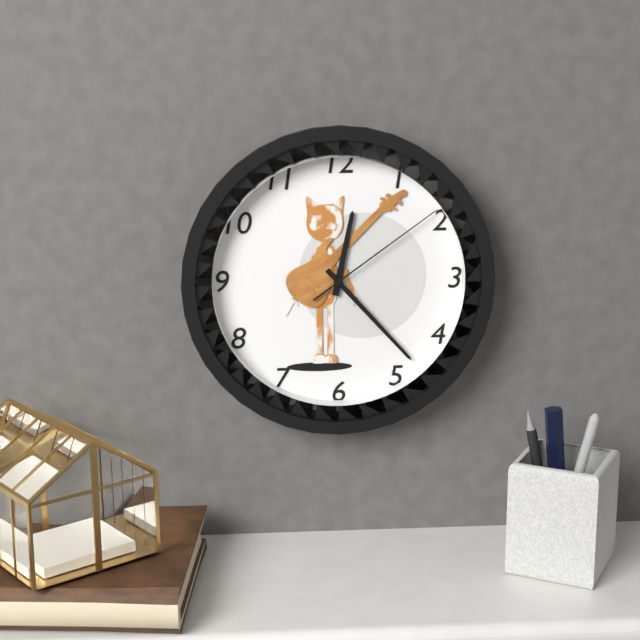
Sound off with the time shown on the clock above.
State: 12:23:09
